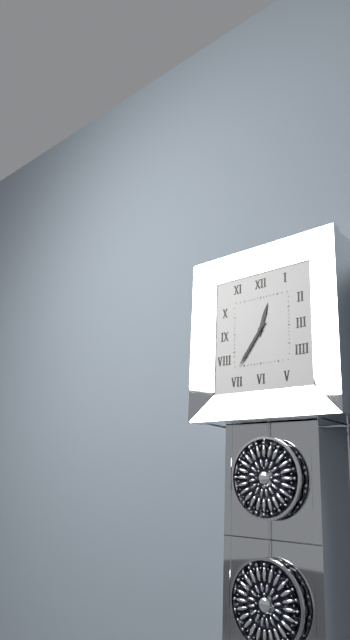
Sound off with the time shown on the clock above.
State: 12:36
